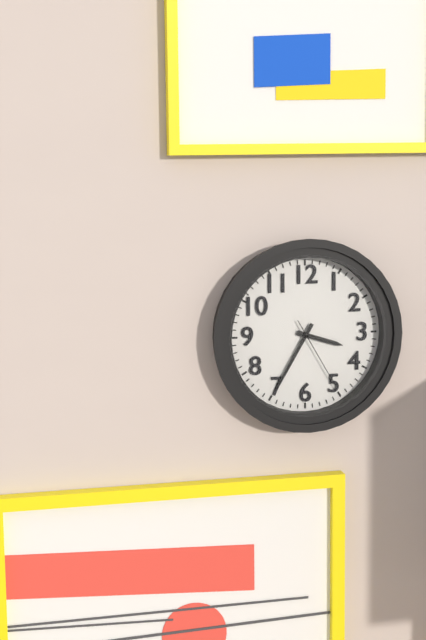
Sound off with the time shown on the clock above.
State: 3:35:25
